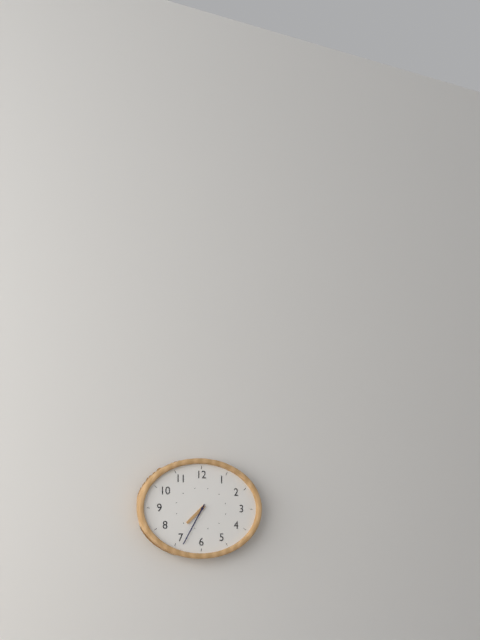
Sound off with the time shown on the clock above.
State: 7:35
